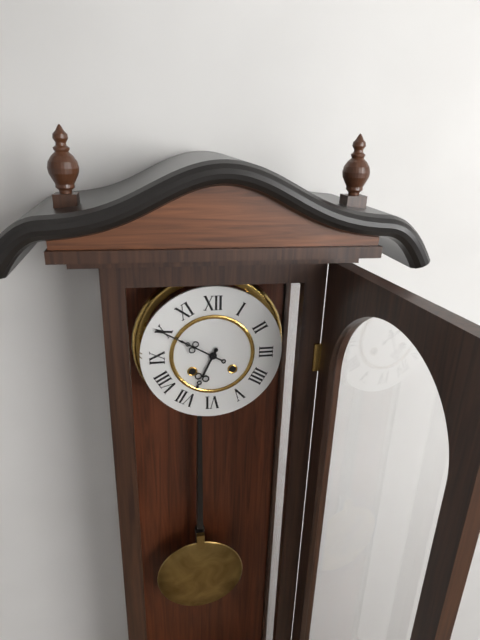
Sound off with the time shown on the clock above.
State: 6:50
